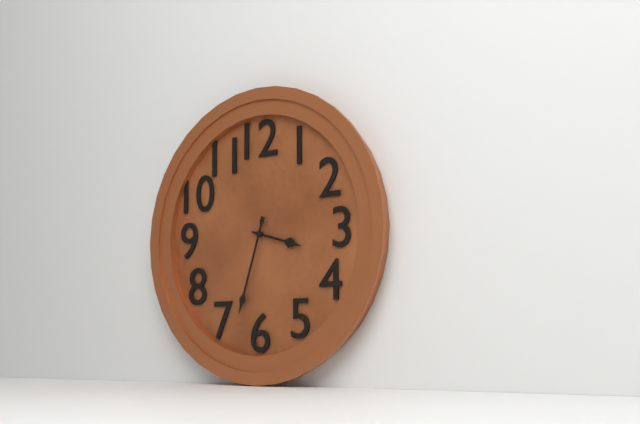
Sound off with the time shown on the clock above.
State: 3:33
